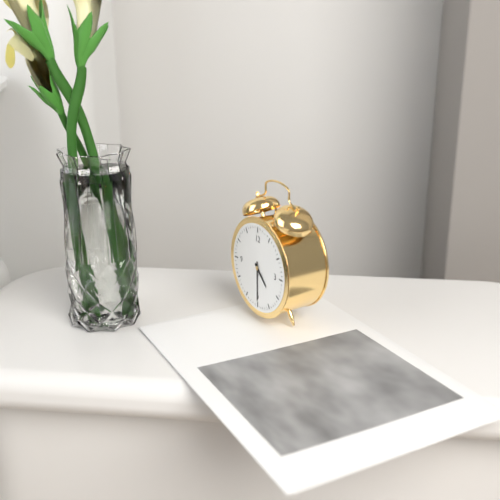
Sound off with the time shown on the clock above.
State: 4:30
